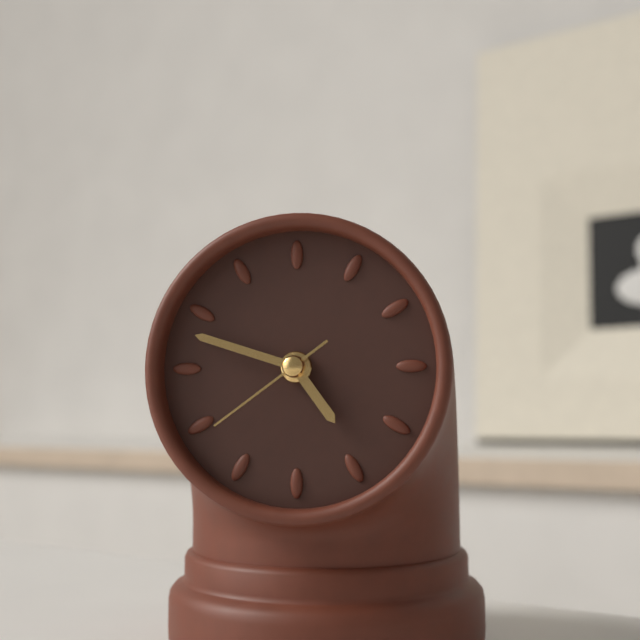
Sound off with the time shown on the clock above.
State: 4:48:39
